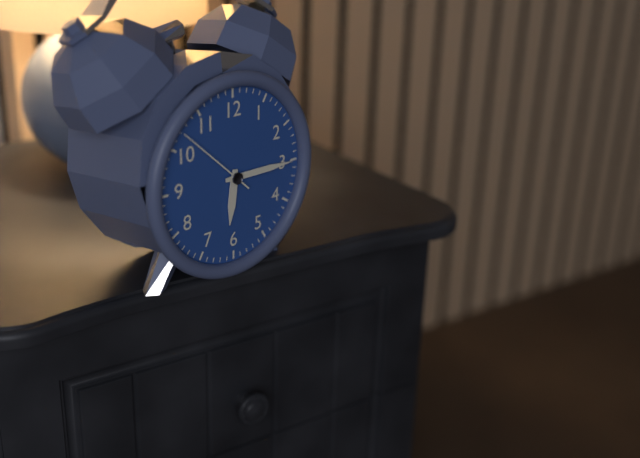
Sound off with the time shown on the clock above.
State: 6:15:52
